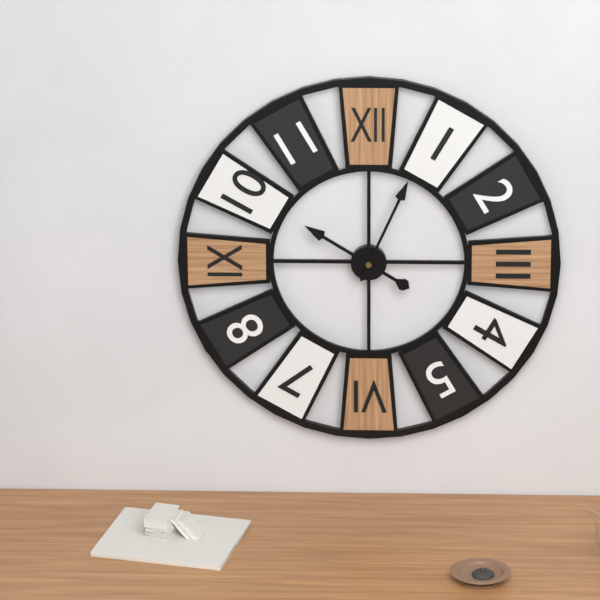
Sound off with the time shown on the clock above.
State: 10:04
